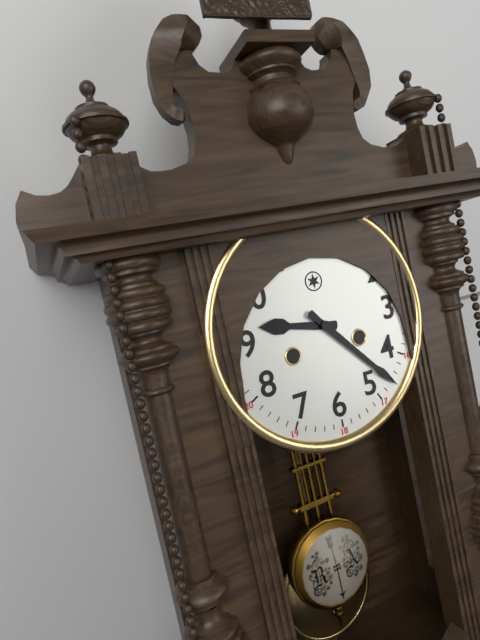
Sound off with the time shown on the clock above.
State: 9:23
